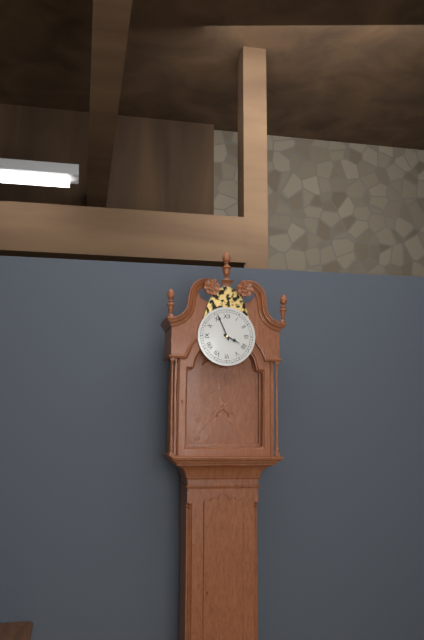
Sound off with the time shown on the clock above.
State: 3:56
